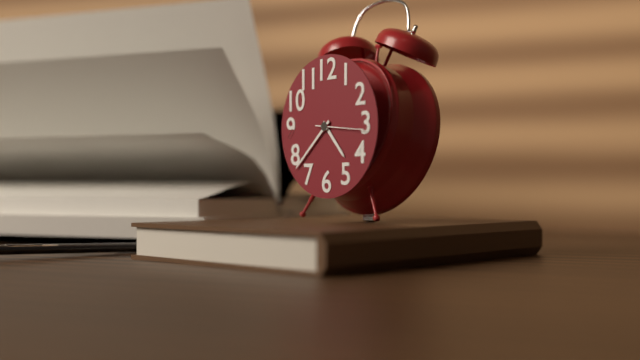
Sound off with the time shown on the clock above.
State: 4:38
